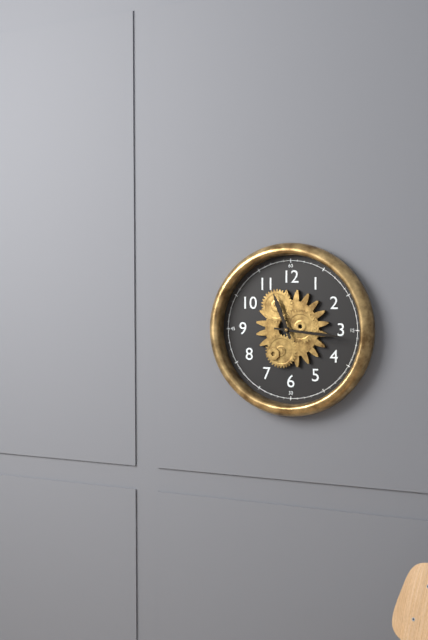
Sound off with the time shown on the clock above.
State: 11:16
